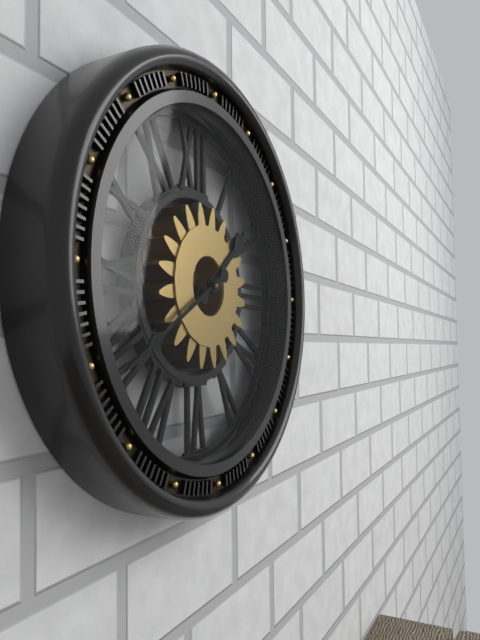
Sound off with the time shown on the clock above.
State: 1:40
